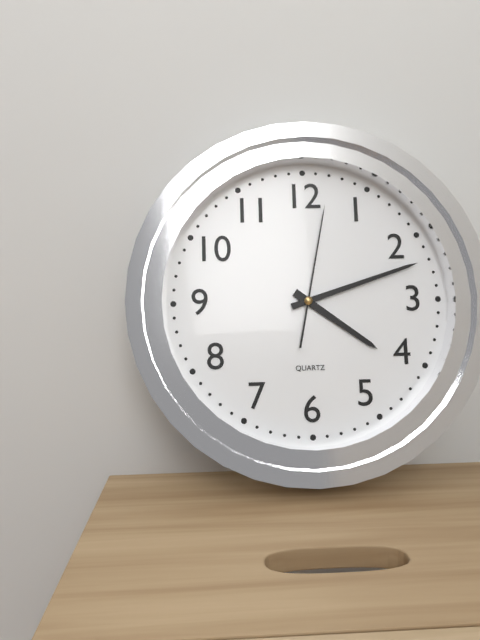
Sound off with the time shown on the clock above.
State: 4:12:02
